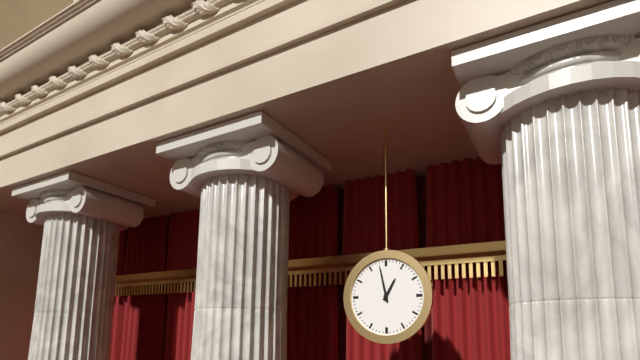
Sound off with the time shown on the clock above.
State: 12:58
